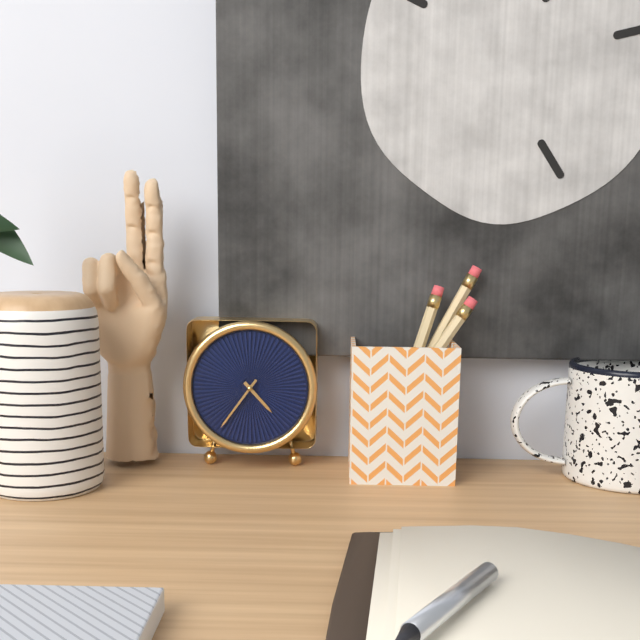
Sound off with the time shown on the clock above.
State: 4:36
